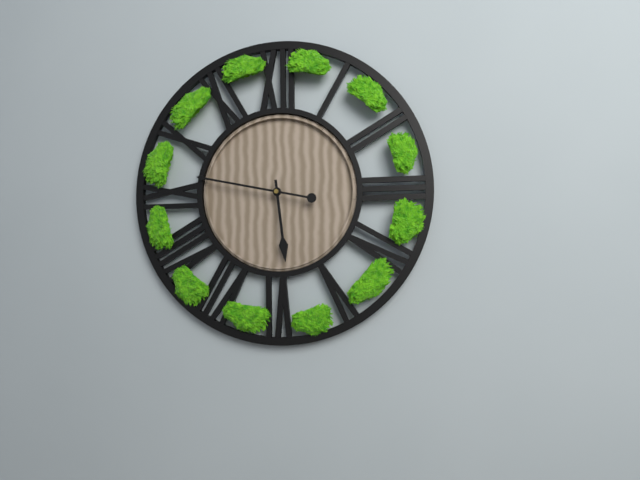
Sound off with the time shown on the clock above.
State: 5:47
